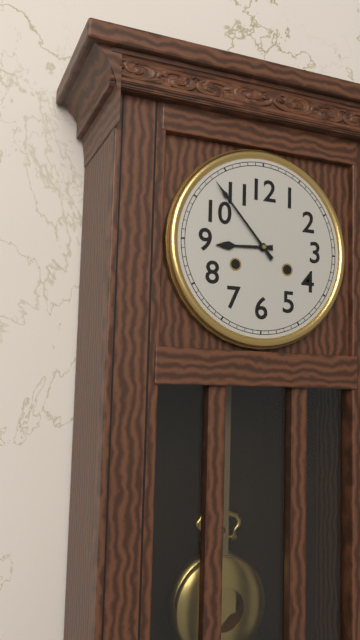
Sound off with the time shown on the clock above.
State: 8:53
